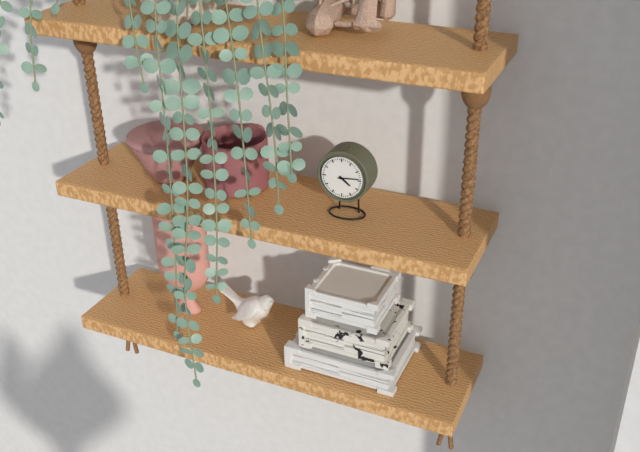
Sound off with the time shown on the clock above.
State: 4:14
